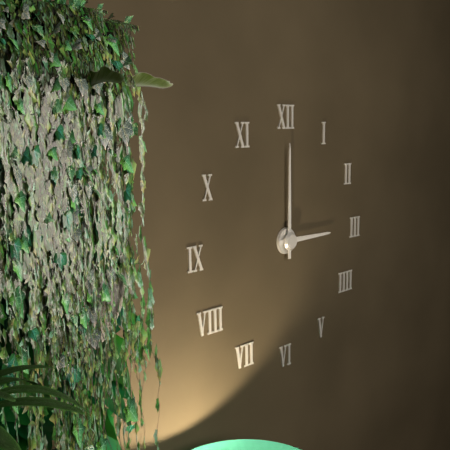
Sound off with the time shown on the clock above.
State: 3:00
